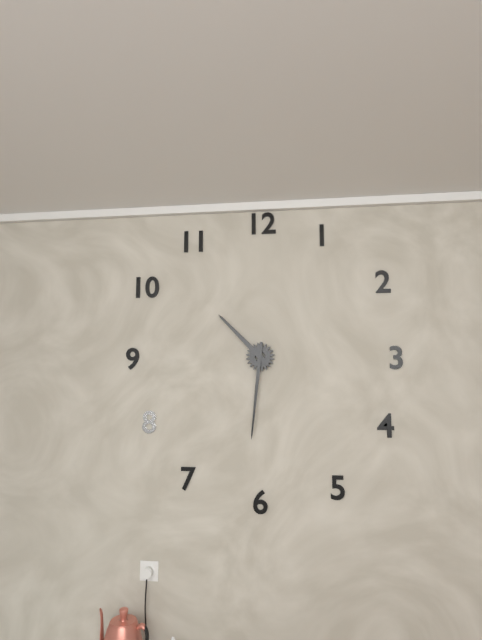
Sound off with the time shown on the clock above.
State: 10:31
